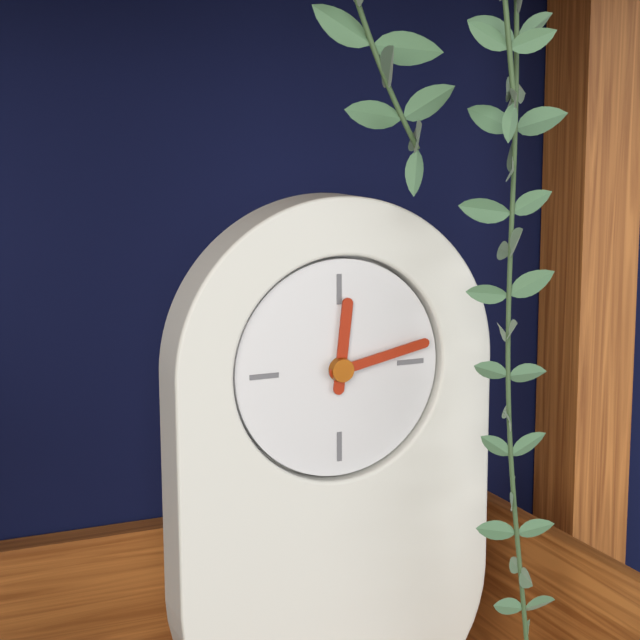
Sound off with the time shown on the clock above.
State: 12:13
